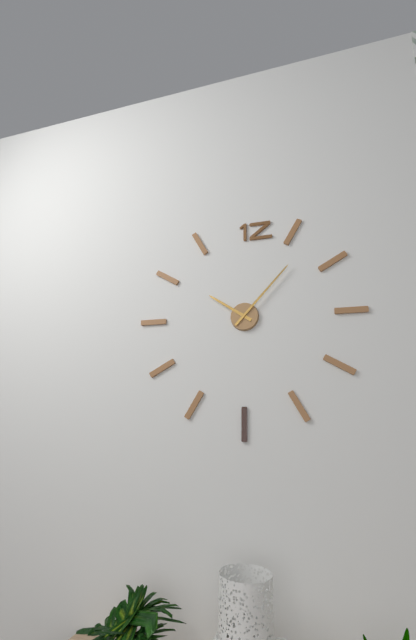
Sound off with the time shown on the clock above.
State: 10:07
